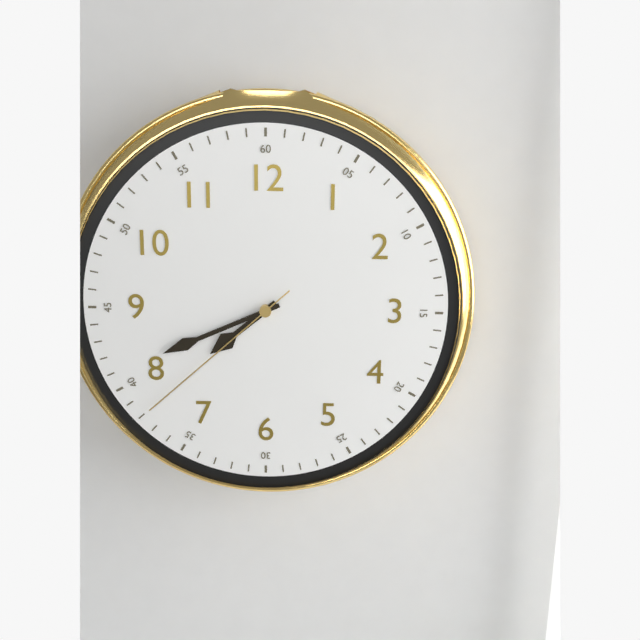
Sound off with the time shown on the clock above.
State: 7:41:38
